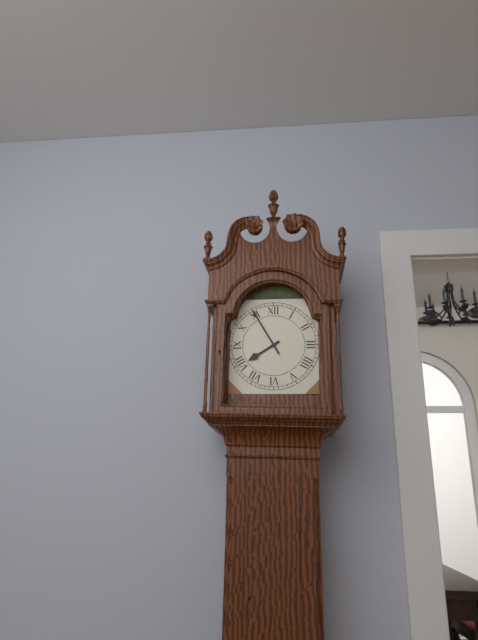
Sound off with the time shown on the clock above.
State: 7:55
